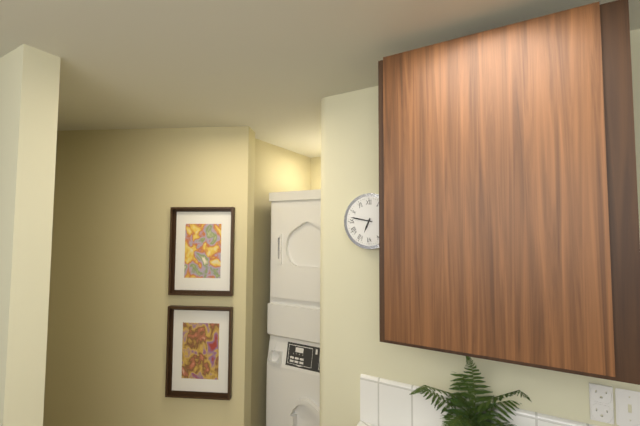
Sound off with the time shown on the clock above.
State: 6:47
